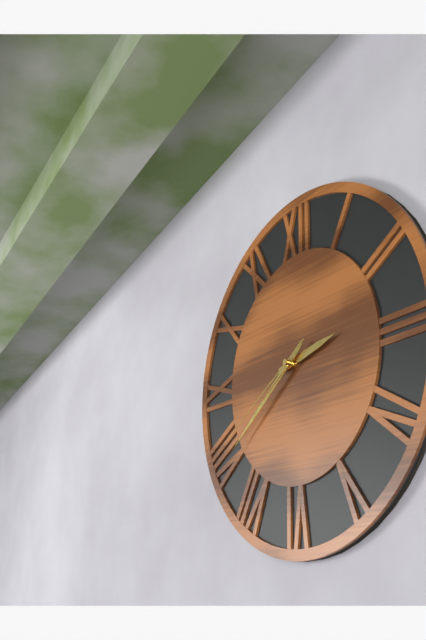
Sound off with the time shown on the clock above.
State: 2:39:40
